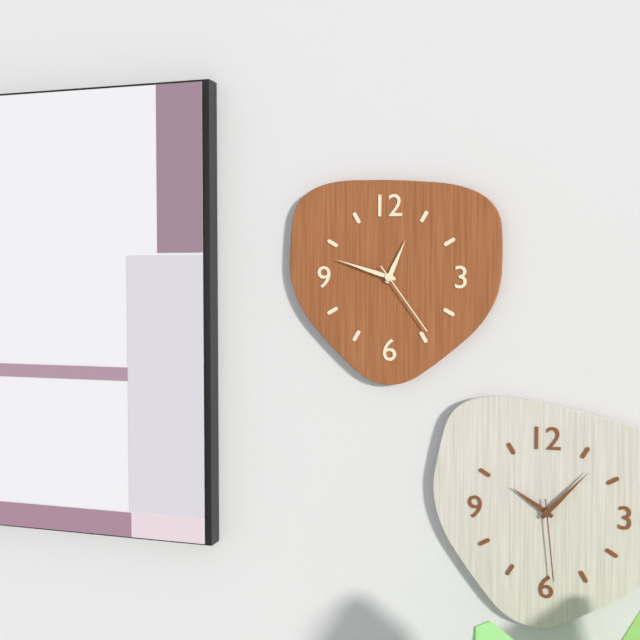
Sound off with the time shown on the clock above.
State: 12:48:24
